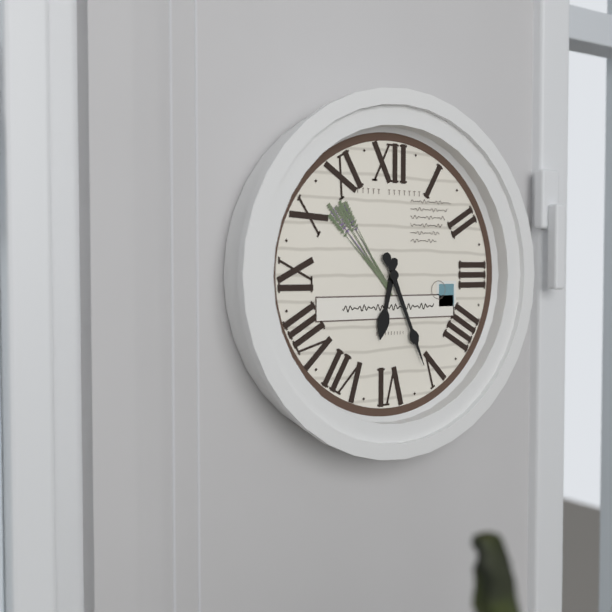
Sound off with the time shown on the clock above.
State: 6:26
